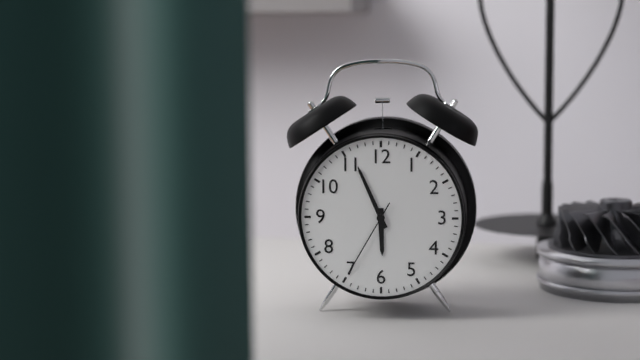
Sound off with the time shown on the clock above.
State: 5:56:35
